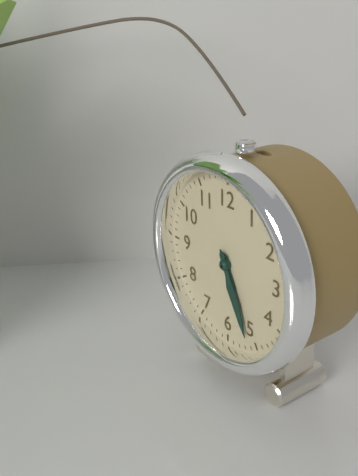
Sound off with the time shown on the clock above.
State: 5:26
